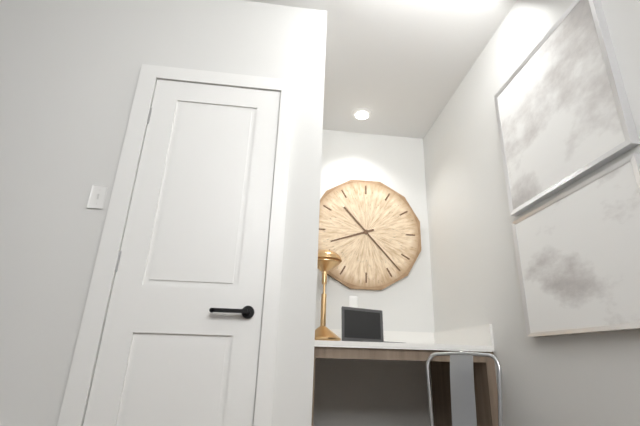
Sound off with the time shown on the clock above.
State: 8:23
